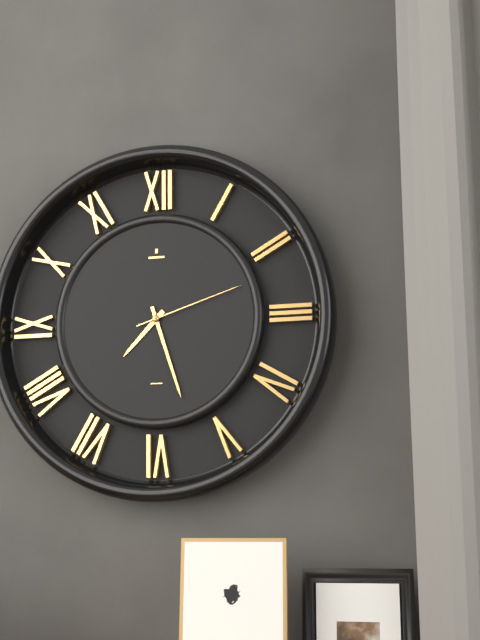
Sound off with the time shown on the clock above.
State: 7:27:12
